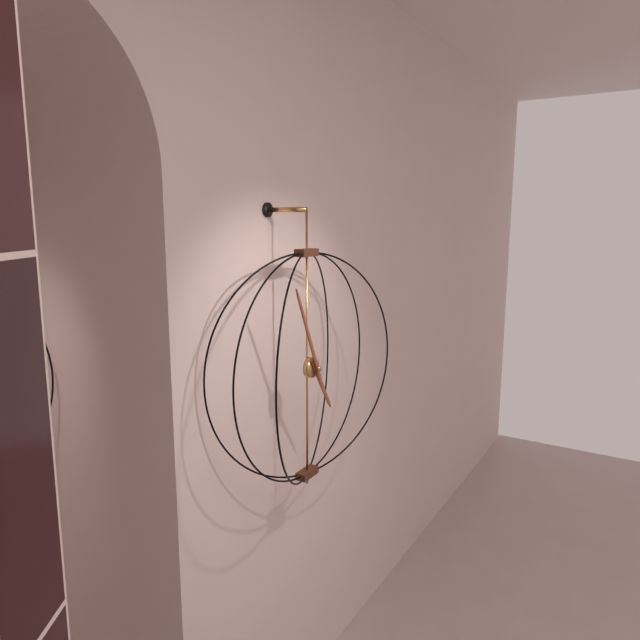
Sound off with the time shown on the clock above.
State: 4:56
